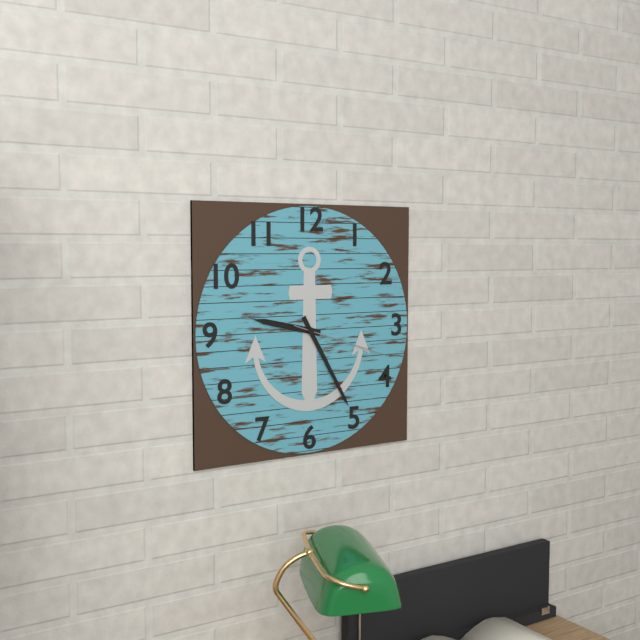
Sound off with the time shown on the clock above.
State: 9:25:18
